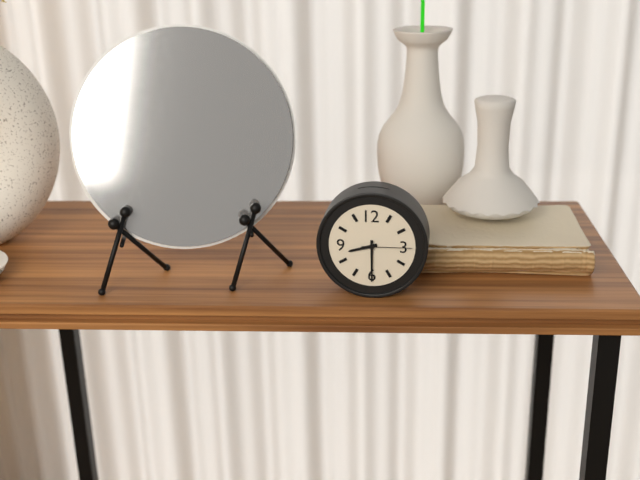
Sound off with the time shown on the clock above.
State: 8:30:15
